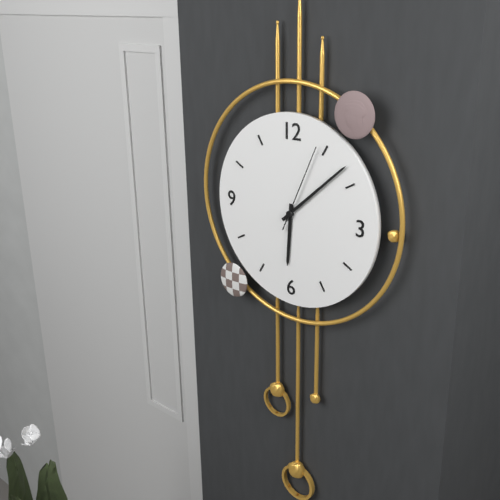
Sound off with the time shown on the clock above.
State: 6:08:04
